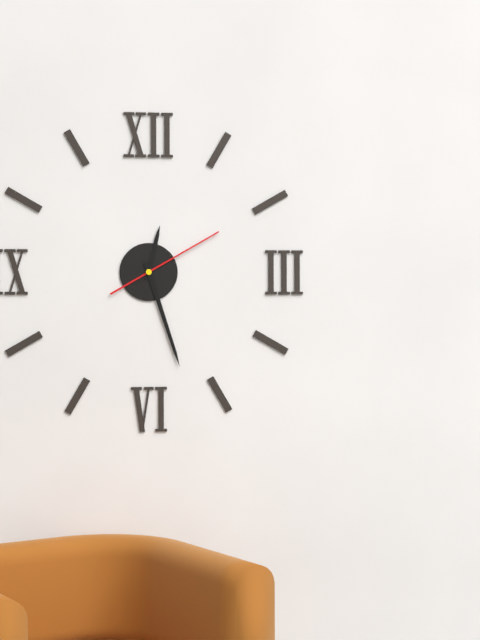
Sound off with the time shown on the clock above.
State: 12:27:10
